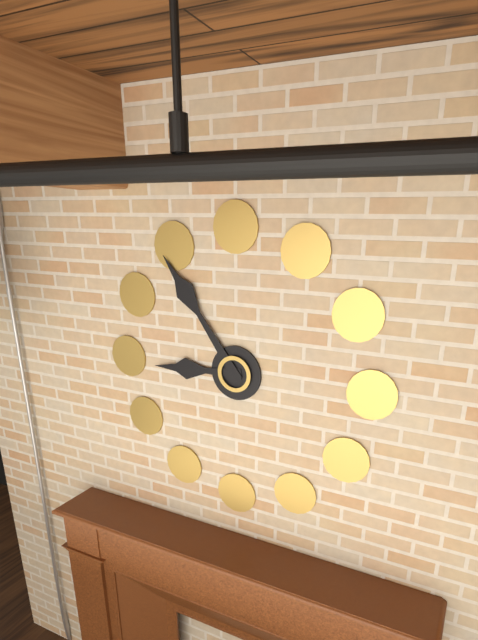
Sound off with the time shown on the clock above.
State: 8:54
